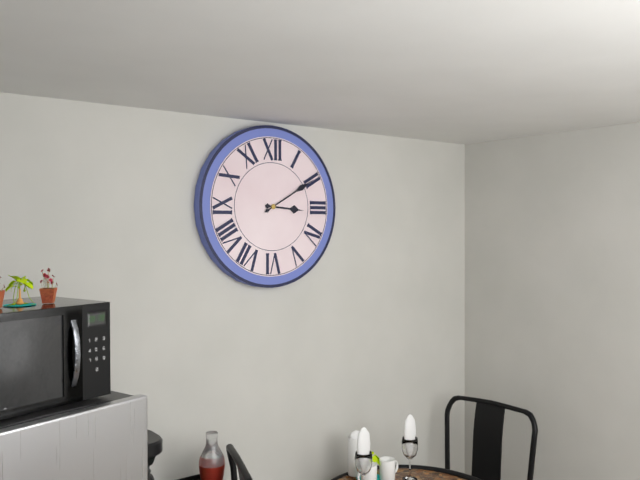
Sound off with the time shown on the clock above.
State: 3:10
